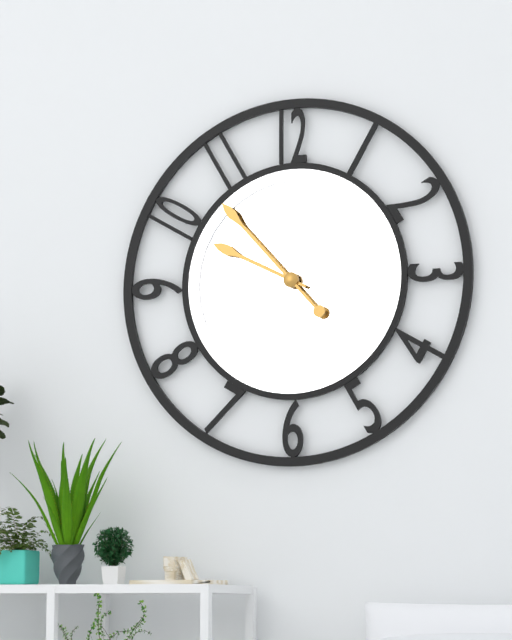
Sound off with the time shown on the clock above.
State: 9:53
